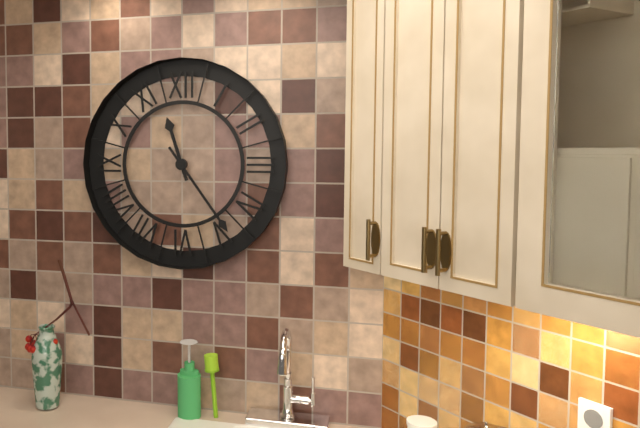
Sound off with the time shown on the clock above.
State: 11:24
